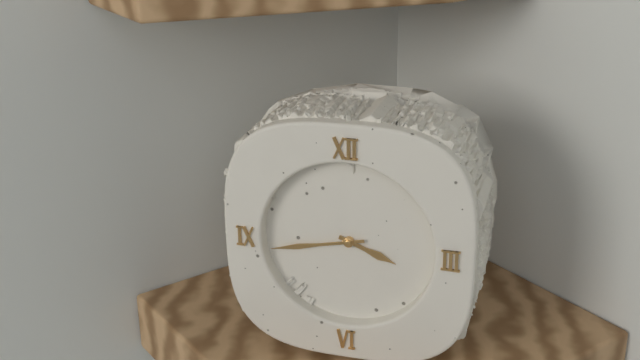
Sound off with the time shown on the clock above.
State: 3:43
